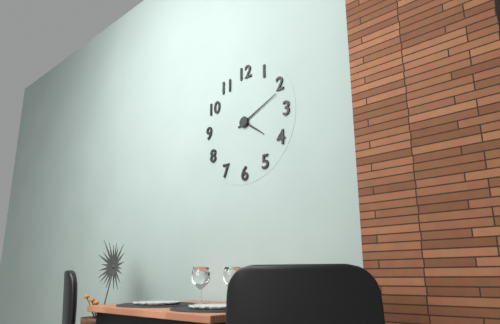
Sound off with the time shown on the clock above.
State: 4:11
